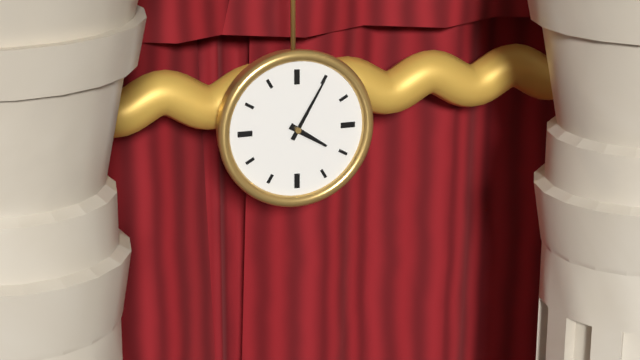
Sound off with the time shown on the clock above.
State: 4:05
